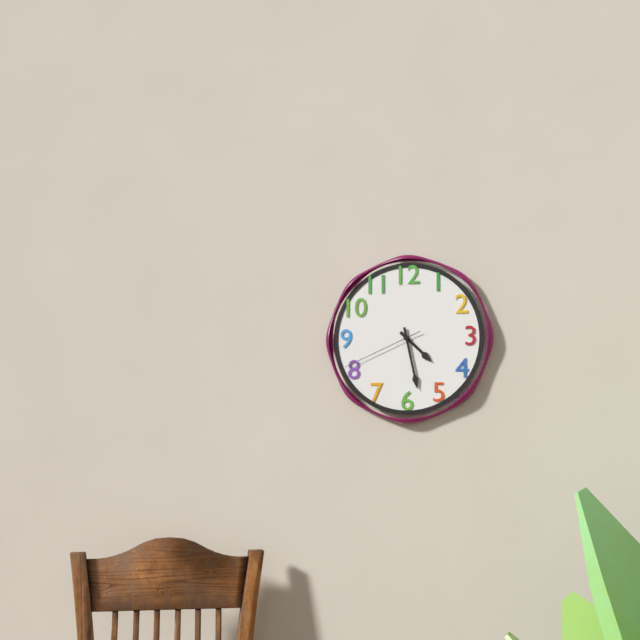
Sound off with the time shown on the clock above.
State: 4:28:41
